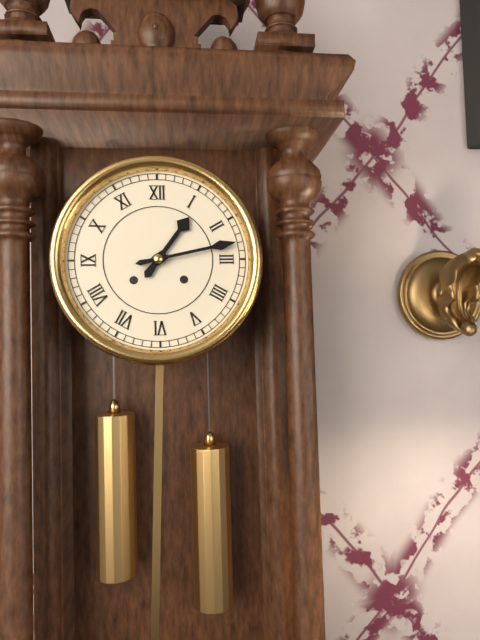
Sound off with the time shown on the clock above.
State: 1:13
